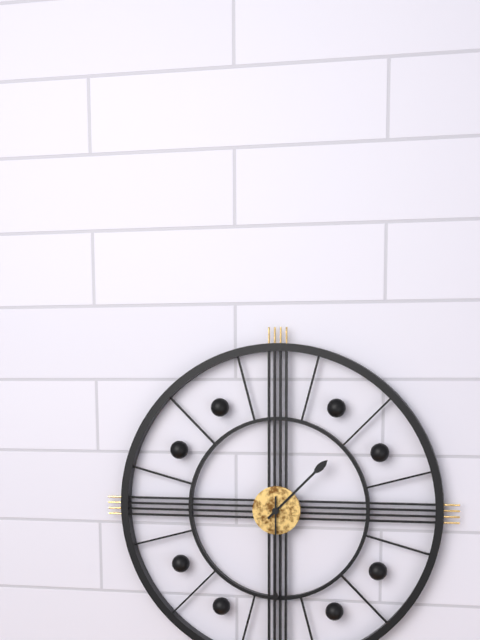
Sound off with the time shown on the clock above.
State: 1:30
